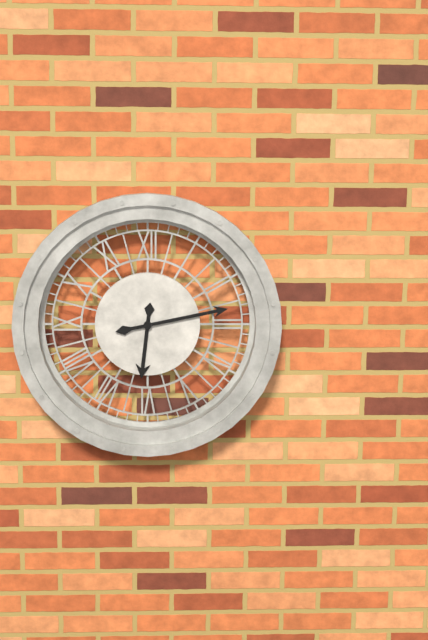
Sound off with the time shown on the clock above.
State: 6:13
